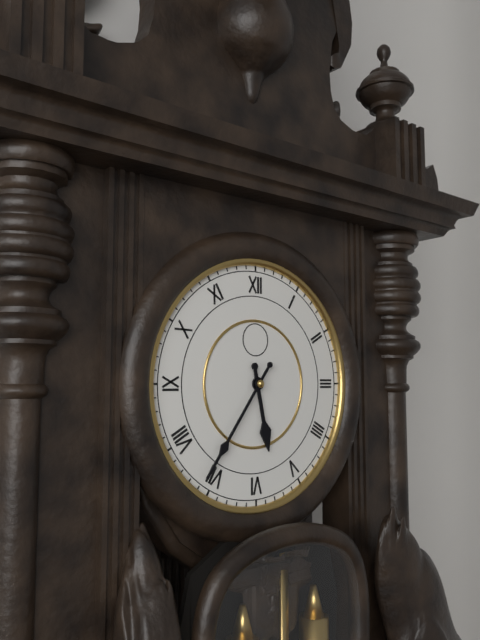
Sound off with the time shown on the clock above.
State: 5:36
